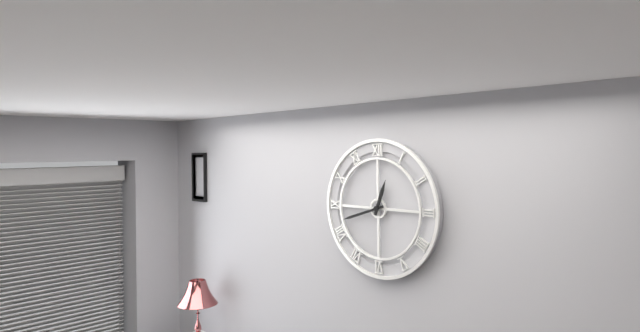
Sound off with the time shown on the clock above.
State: 12:42
